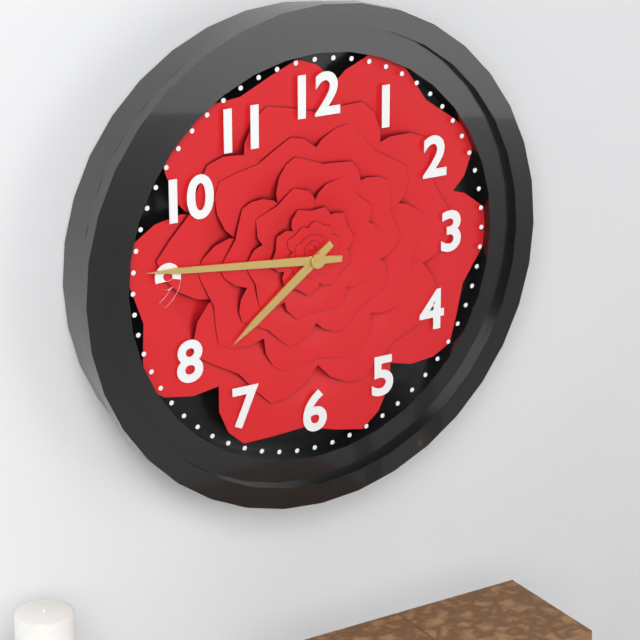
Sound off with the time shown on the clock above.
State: 7:46
